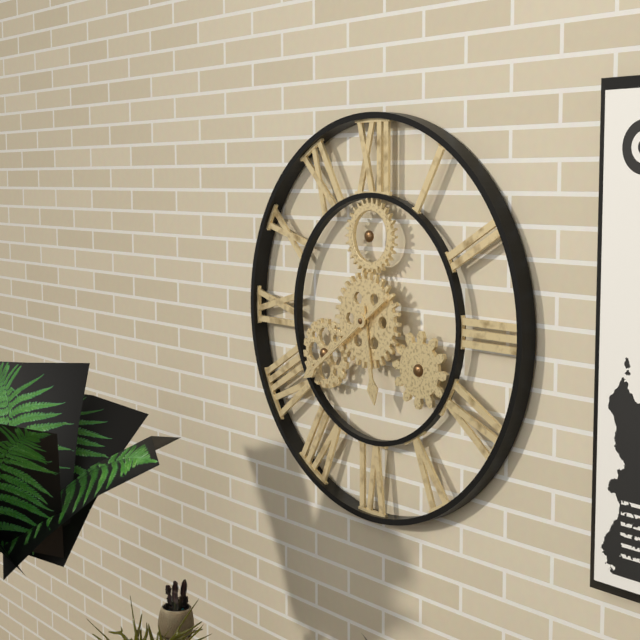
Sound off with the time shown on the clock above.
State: 5:39
